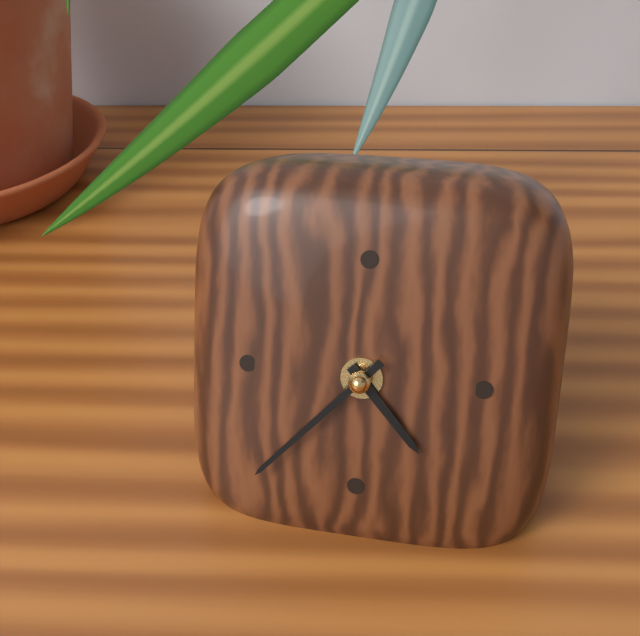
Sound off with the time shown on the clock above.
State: 4:37
